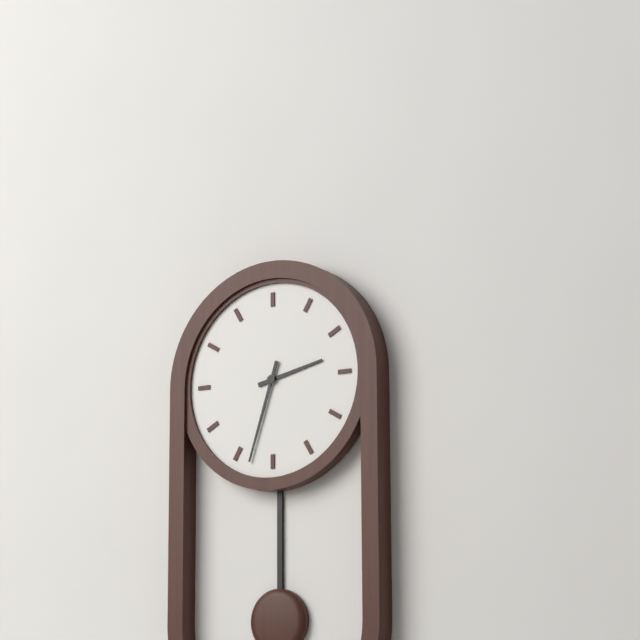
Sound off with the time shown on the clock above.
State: 2:33
